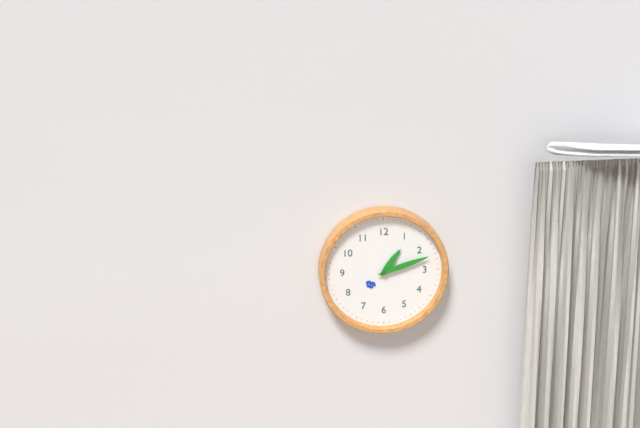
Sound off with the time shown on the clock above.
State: 1:12
